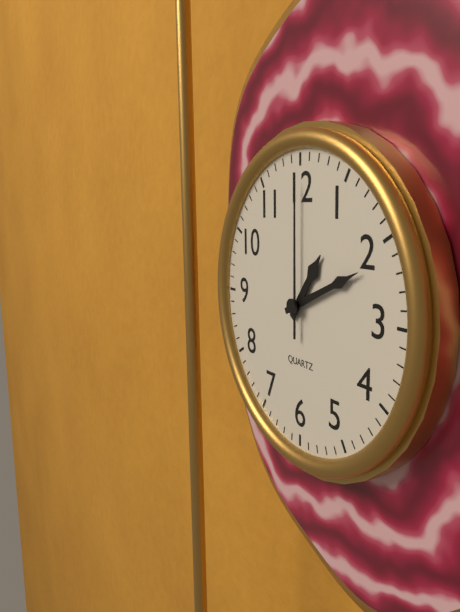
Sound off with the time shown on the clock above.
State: 1:11:00
